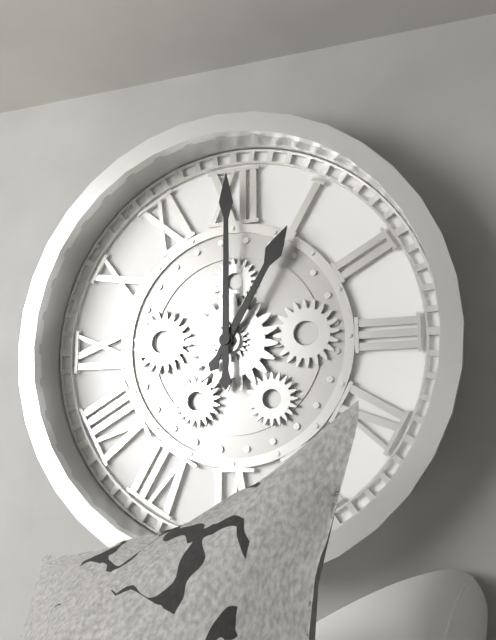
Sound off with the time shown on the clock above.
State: 1:00
